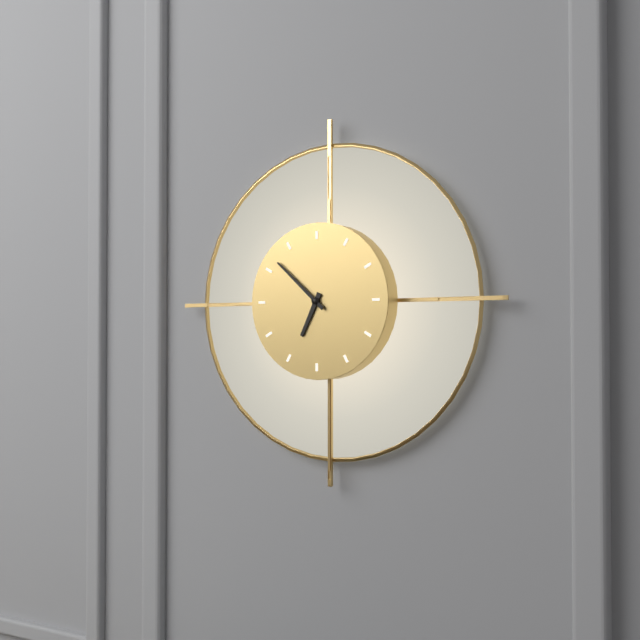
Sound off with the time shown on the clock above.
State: 6:52
